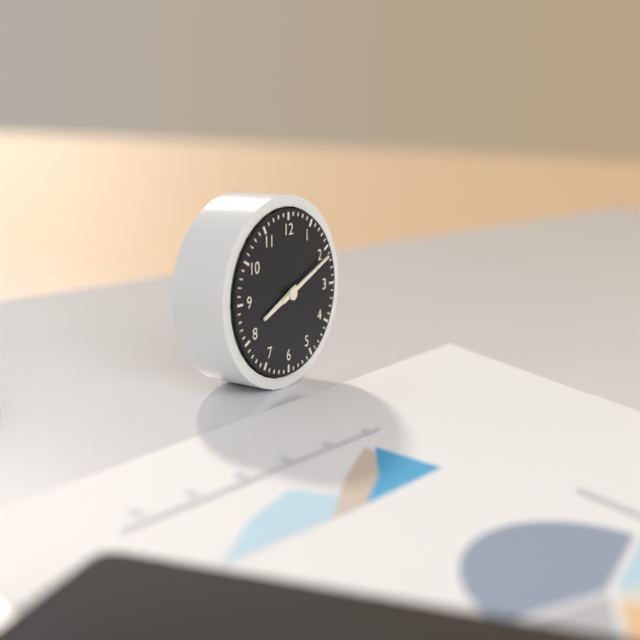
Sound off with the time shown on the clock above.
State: 8:11
